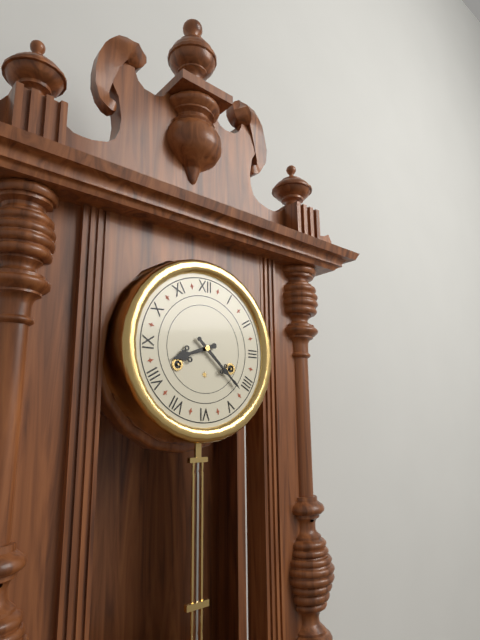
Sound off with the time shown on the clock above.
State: 8:22
